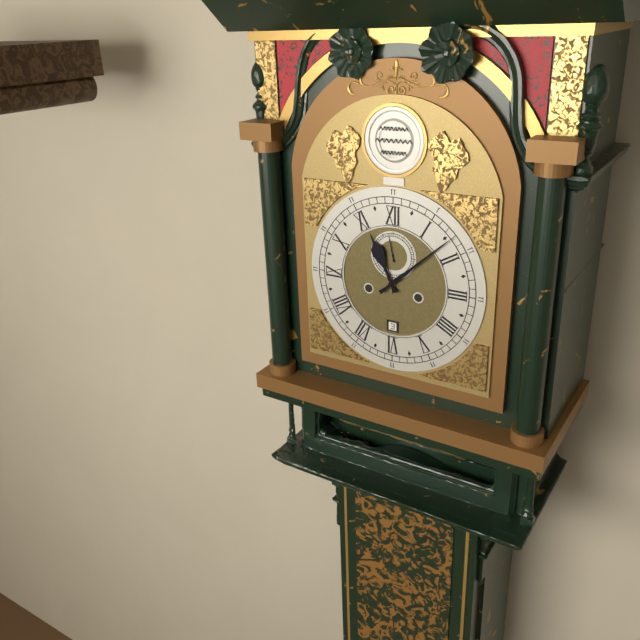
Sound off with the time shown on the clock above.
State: 11:08
